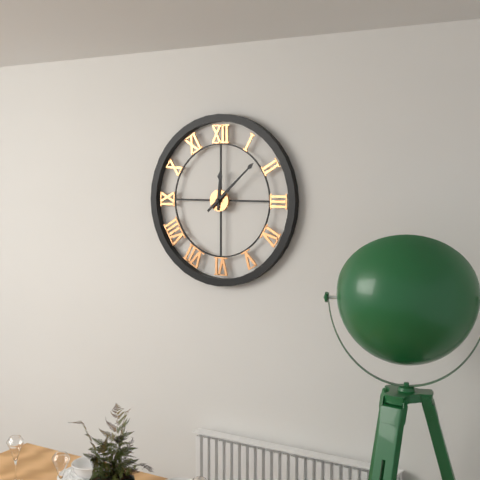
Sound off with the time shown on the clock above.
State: 12:08
